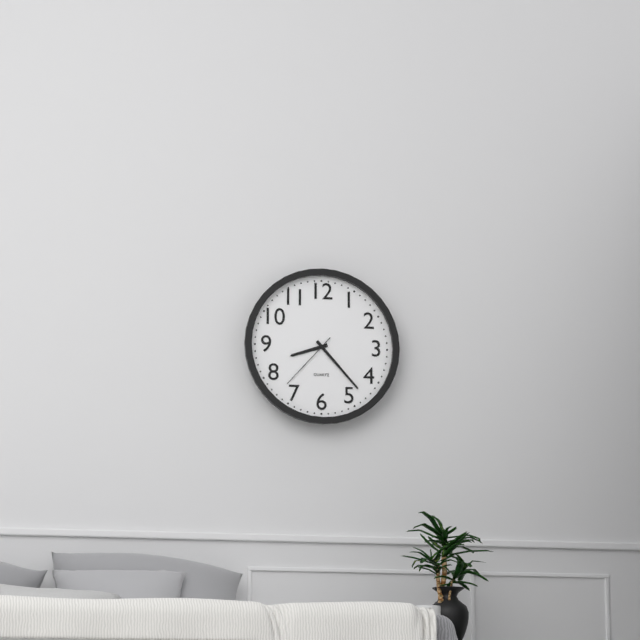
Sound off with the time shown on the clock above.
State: 8:23:37
